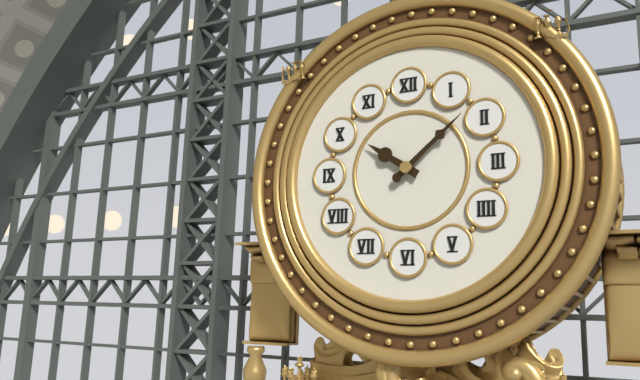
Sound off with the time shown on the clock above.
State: 10:08
